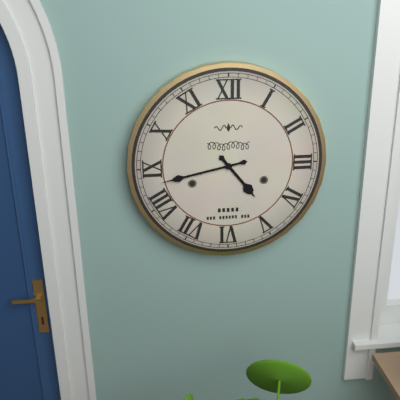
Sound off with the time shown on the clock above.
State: 4:43
